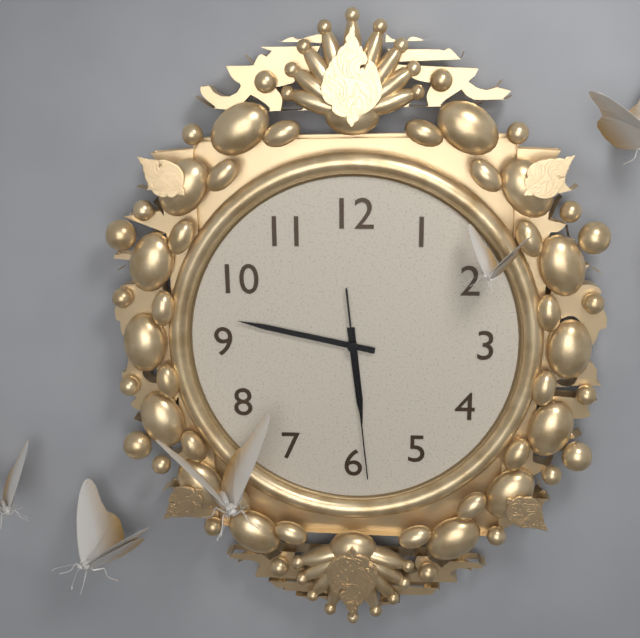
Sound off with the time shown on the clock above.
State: 5:47:29
